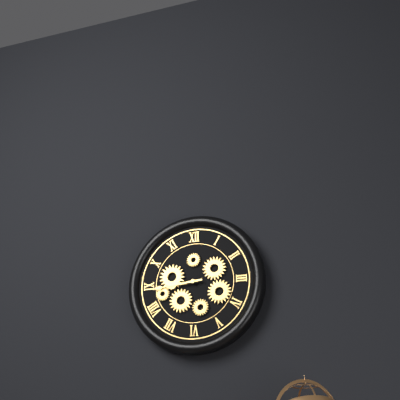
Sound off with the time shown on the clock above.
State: 8:44
